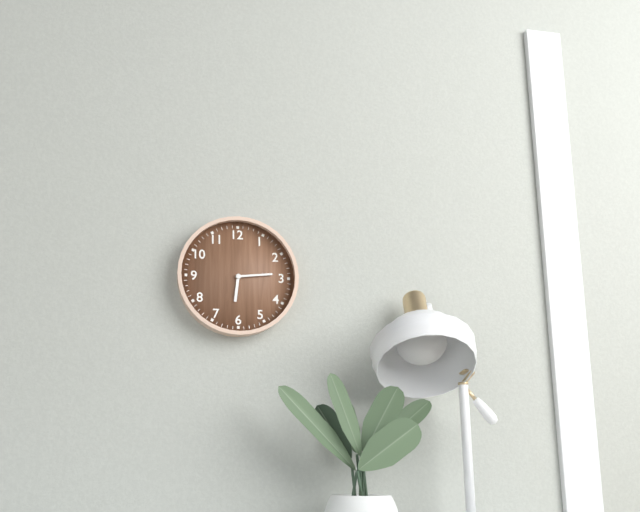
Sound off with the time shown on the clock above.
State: 6:14
